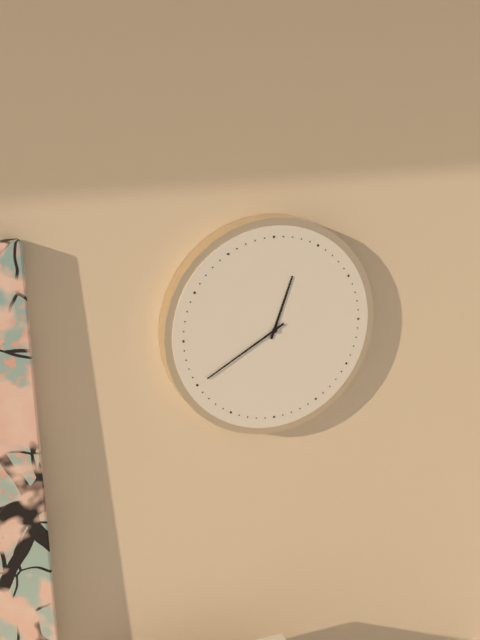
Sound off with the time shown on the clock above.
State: 12:40
